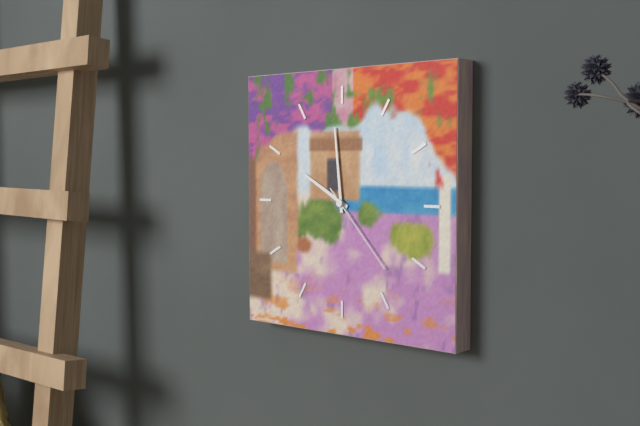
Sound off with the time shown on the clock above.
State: 9:59:23
